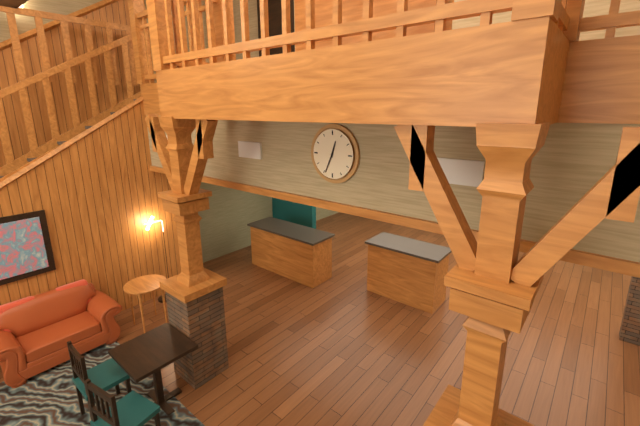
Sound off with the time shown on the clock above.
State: 12:34
